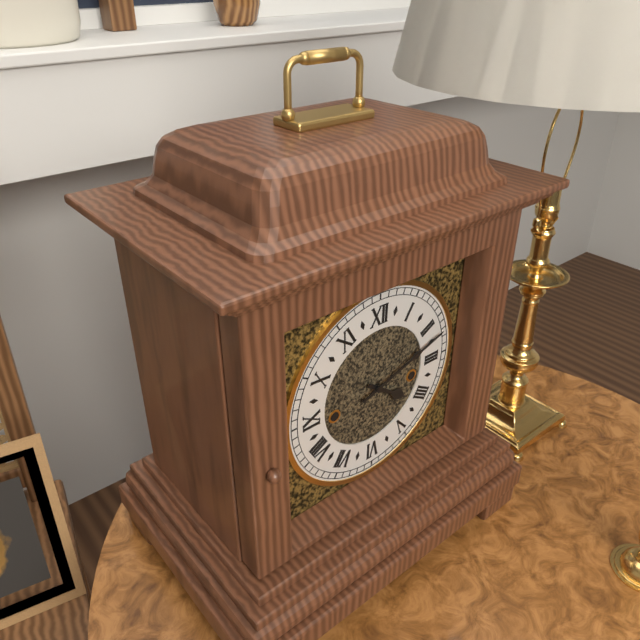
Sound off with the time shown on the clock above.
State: 4:12
